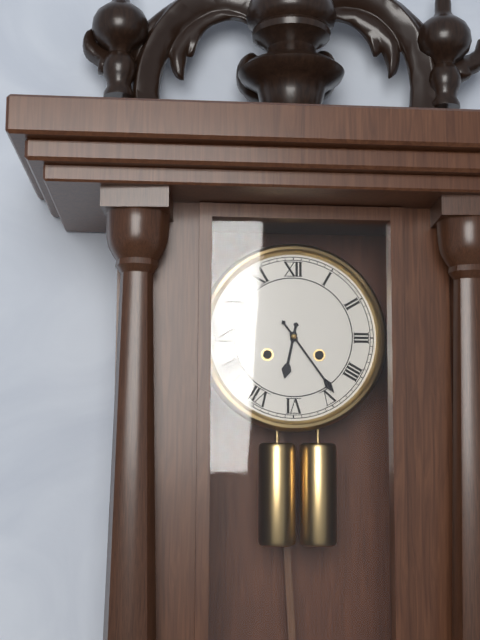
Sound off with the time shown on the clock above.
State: 6:24
